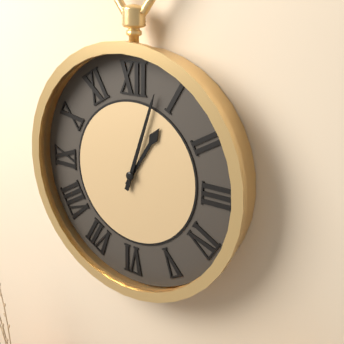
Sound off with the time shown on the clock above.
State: 1:03
